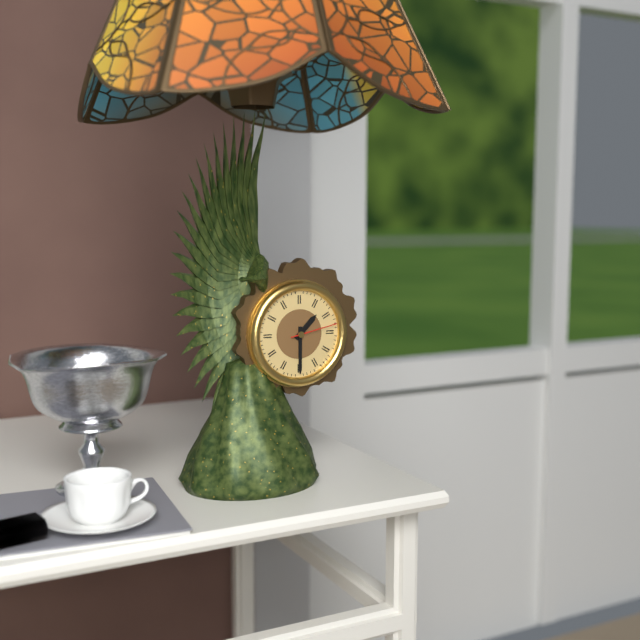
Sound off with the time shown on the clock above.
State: 1:30
